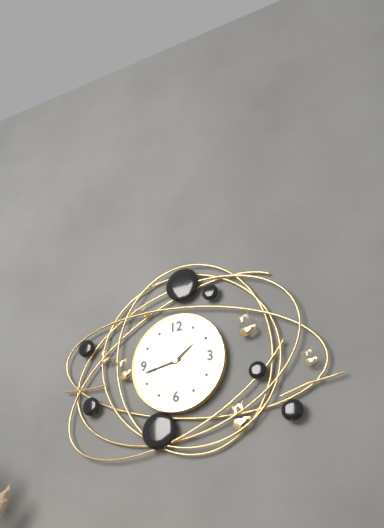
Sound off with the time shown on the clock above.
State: 1:43
